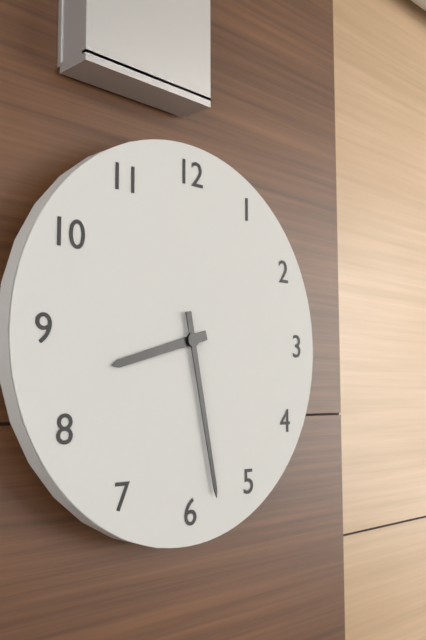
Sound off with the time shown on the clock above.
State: 8:28
